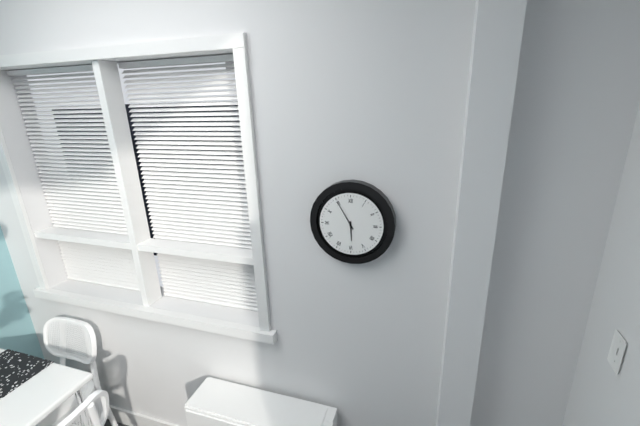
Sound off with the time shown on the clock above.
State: 5:55
